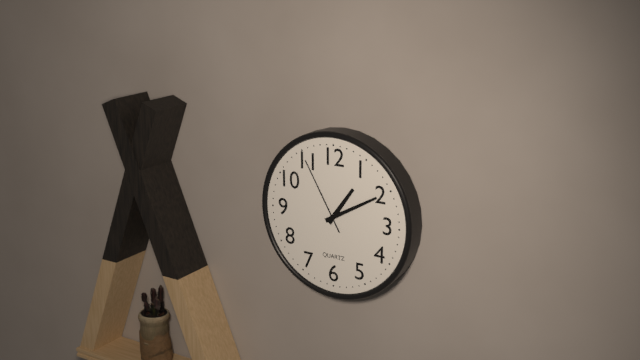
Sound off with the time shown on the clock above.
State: 1:10:55
